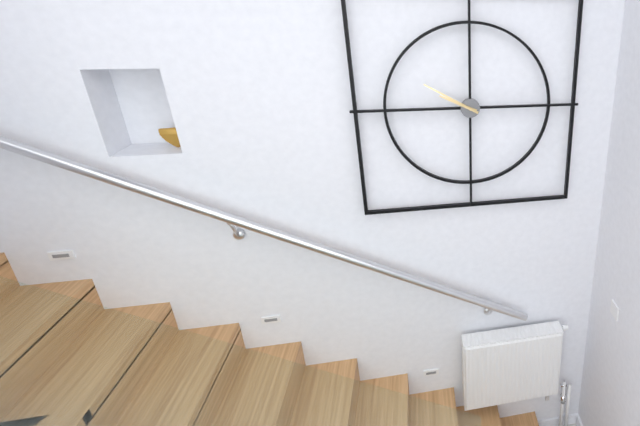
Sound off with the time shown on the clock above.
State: 9:50
